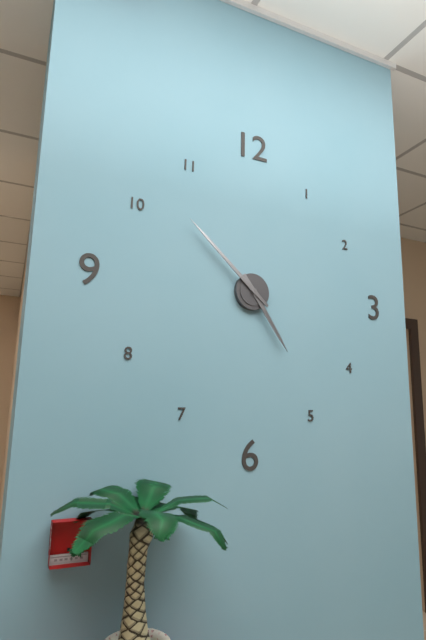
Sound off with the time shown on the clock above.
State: 4:52
